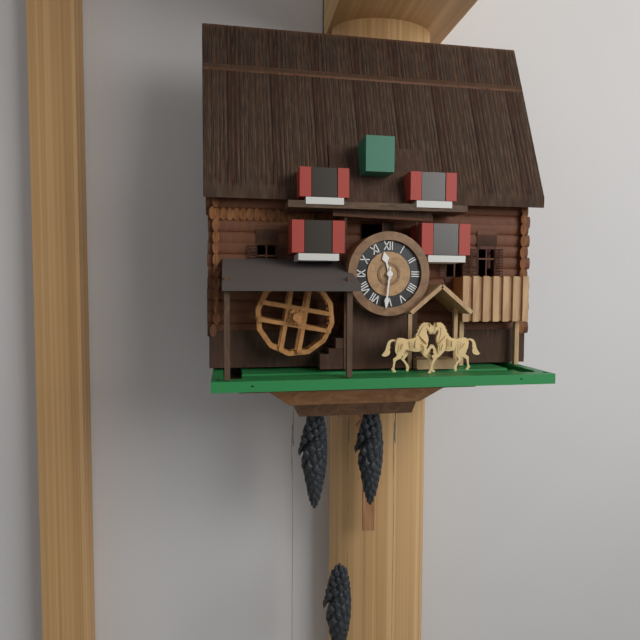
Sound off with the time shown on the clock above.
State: 11:31
